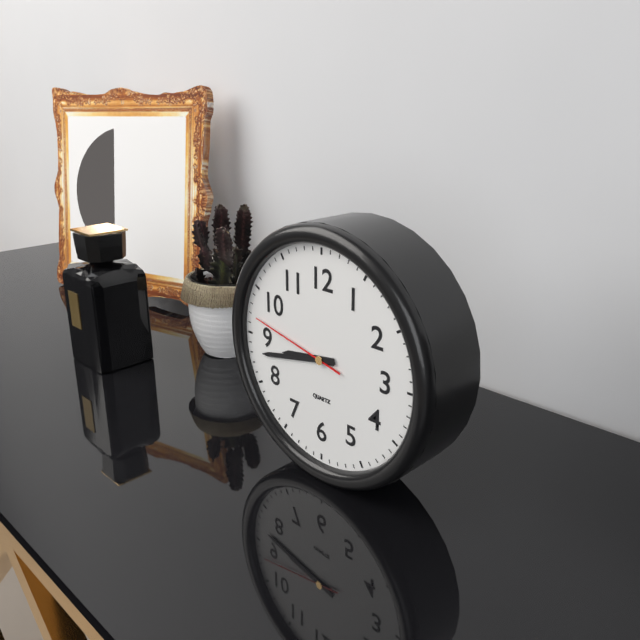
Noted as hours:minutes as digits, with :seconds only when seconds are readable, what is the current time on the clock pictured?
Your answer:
8:43:47
